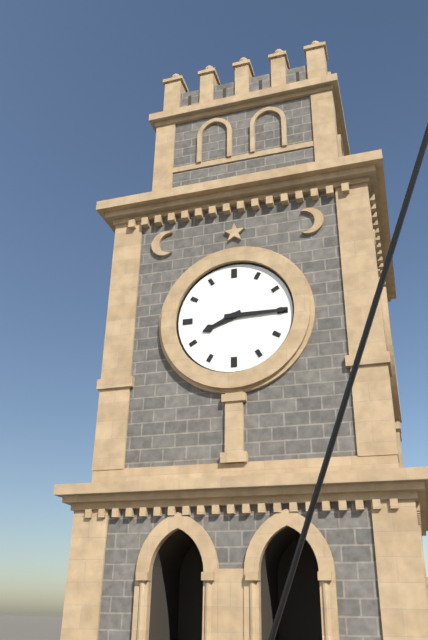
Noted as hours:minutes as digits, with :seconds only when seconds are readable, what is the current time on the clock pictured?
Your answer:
8:15
